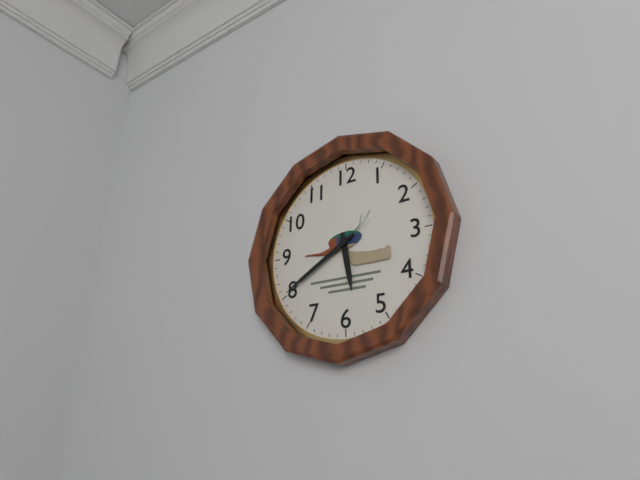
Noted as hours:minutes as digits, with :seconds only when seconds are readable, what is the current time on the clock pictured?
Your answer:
5:40
